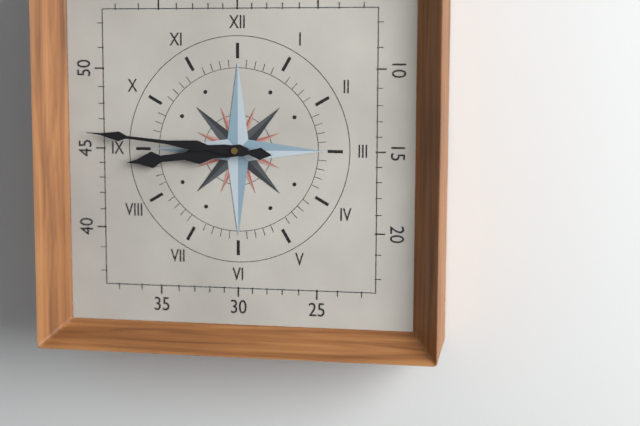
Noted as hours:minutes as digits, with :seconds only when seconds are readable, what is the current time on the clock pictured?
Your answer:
8:46
